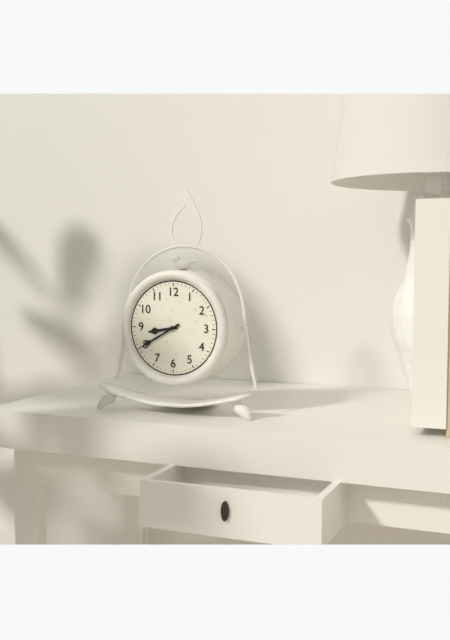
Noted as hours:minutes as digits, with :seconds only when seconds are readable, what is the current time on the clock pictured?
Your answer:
8:40
